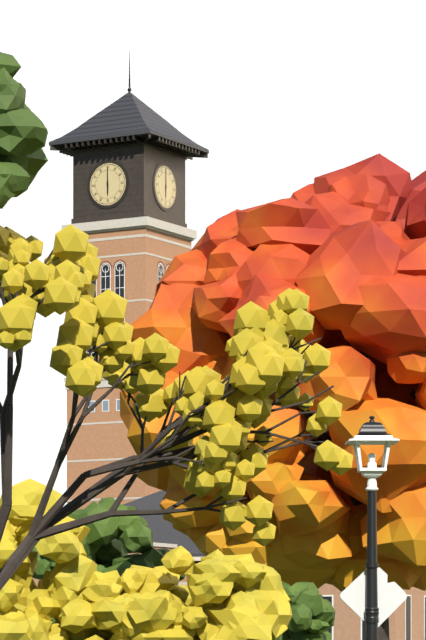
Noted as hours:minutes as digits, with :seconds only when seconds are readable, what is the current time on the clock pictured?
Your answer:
6:00
